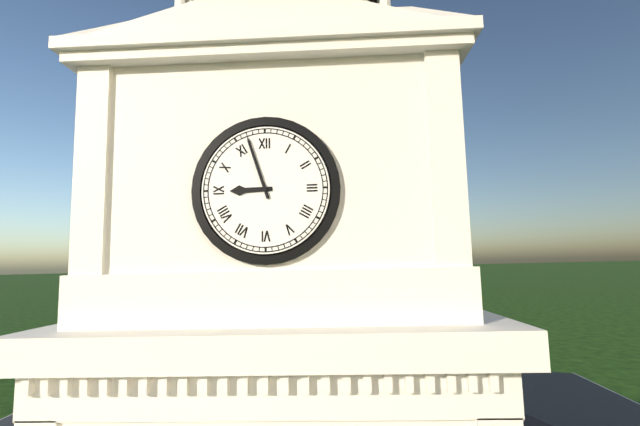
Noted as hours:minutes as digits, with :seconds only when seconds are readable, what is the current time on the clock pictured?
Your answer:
8:57
